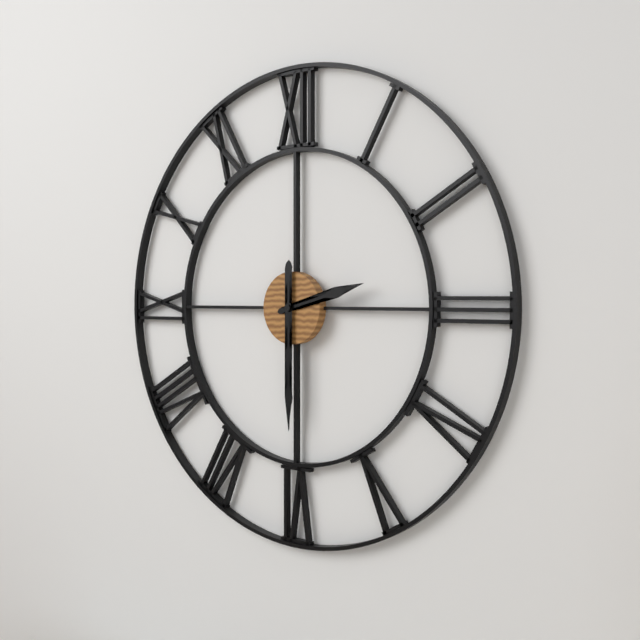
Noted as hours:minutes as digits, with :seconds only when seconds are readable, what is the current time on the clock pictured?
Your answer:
2:30
